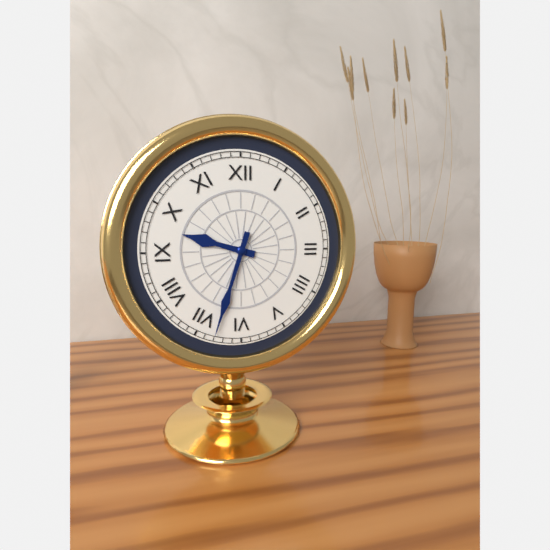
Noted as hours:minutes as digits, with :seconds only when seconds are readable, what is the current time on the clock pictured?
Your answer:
9:33
